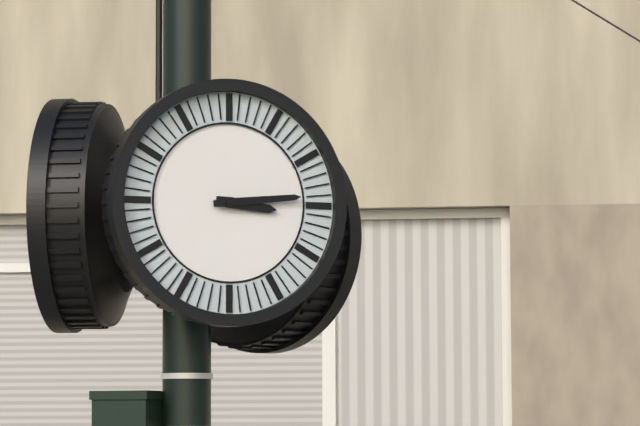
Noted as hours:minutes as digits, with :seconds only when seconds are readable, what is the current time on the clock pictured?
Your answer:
3:14
